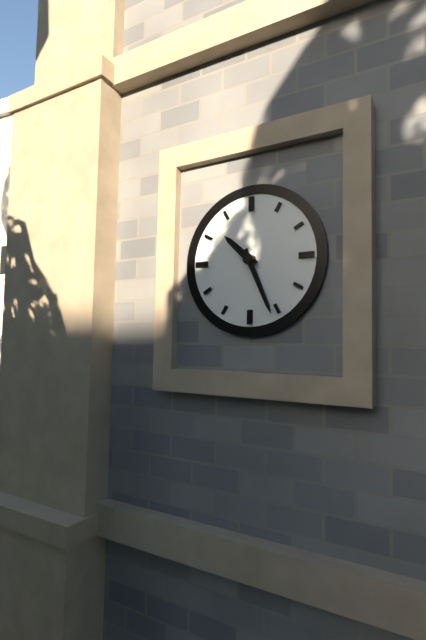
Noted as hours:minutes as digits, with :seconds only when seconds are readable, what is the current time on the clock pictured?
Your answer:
10:26
